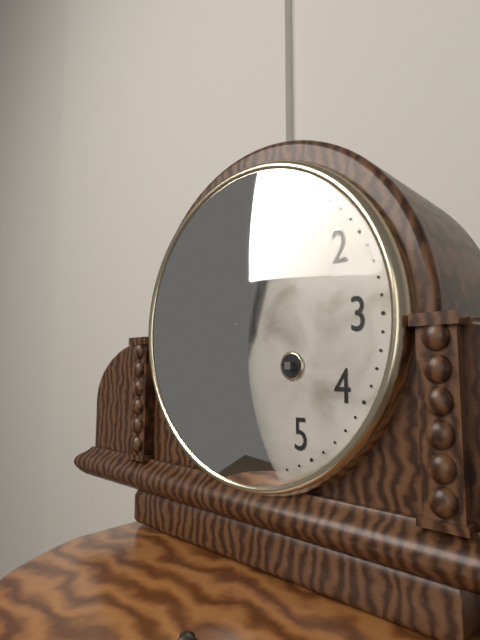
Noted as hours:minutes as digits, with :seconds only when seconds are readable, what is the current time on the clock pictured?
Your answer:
12:03
